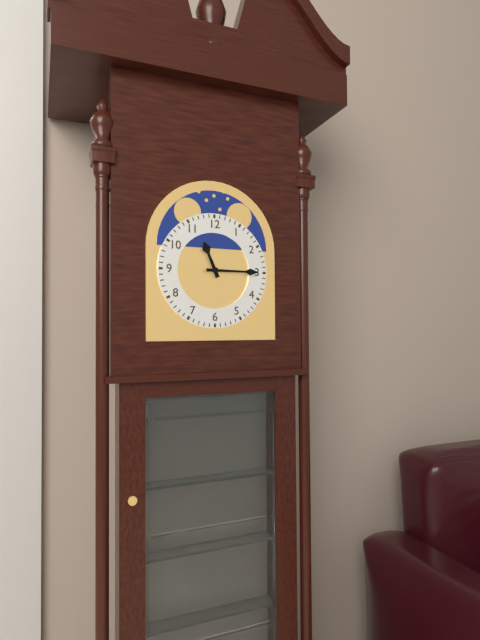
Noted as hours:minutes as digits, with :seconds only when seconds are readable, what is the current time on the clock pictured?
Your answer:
11:15
